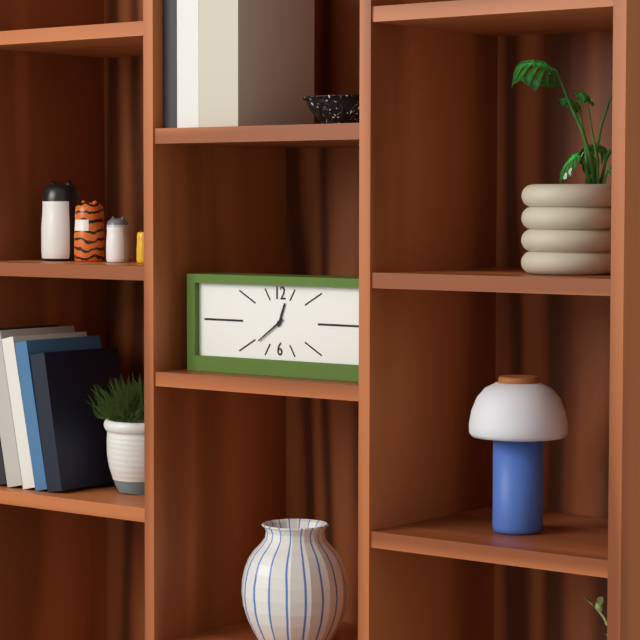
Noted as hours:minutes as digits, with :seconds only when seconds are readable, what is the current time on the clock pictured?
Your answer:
12:39
